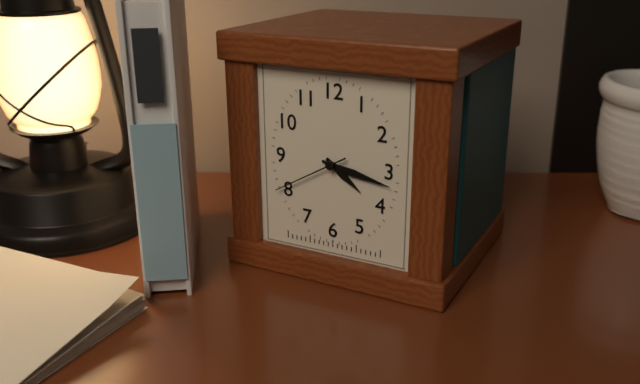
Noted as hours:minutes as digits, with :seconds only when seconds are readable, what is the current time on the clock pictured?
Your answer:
4:17:40
